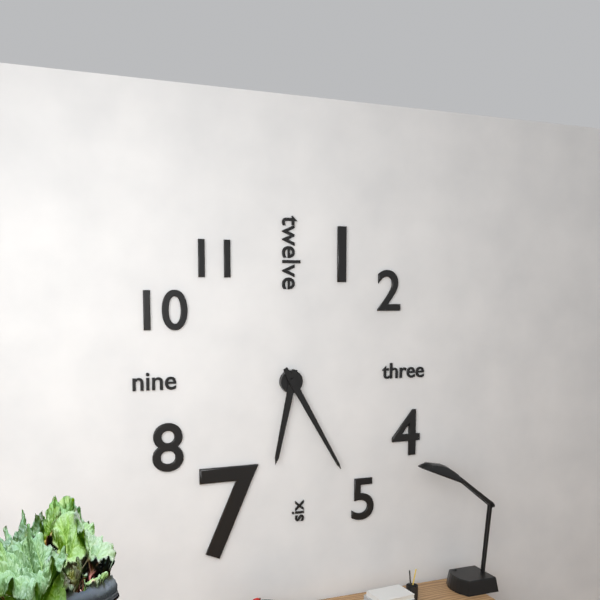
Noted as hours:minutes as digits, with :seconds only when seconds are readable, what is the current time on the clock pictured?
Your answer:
6:25
